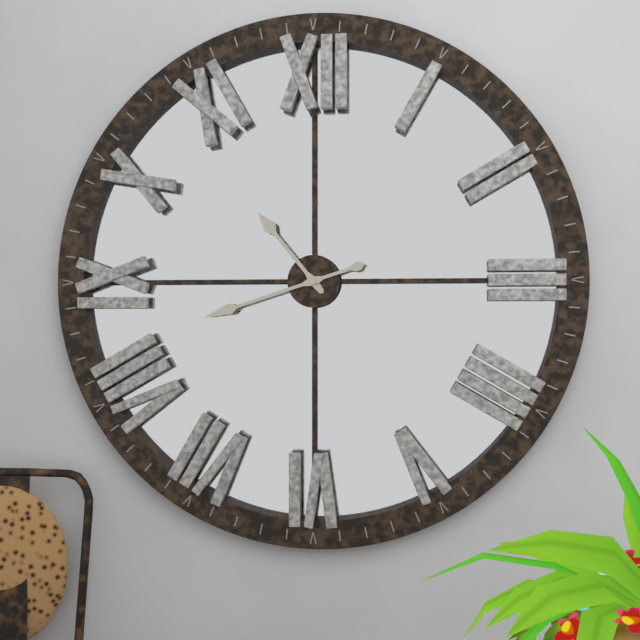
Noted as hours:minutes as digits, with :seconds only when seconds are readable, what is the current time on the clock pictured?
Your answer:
10:42
